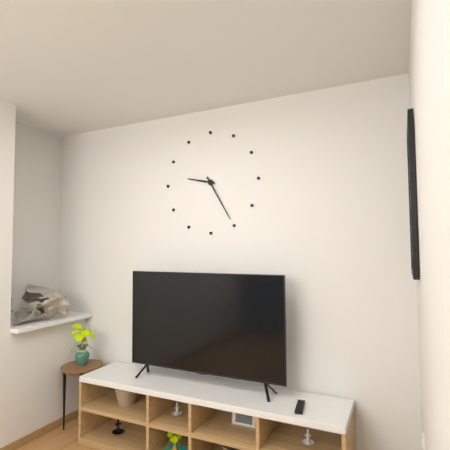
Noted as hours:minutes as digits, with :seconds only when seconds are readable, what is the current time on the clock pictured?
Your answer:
9:25
